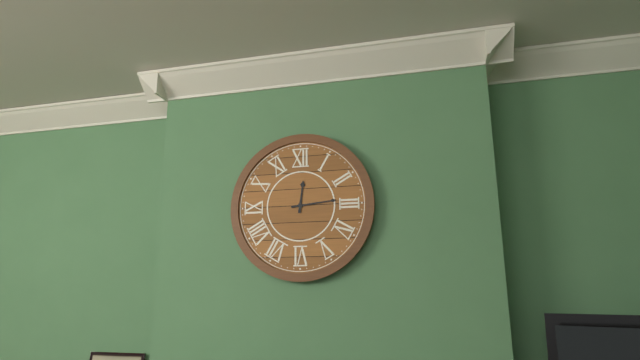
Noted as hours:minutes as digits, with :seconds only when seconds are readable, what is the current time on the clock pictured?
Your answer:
12:14
